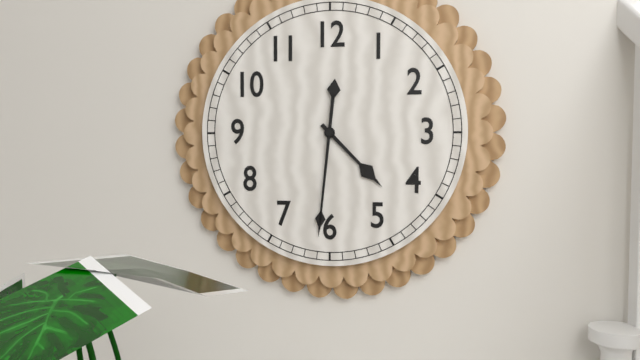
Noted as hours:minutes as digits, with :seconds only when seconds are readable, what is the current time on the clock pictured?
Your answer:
4:31
